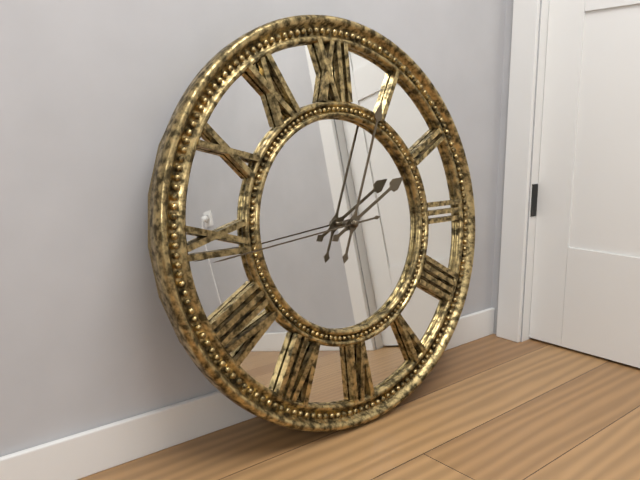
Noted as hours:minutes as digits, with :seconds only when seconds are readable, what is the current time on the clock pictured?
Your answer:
2:04:44
